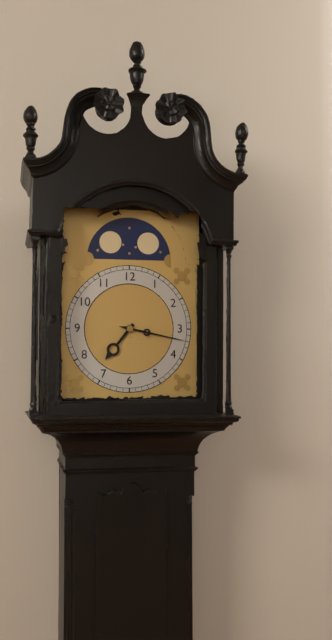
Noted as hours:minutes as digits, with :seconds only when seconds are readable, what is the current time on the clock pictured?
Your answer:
7:17
